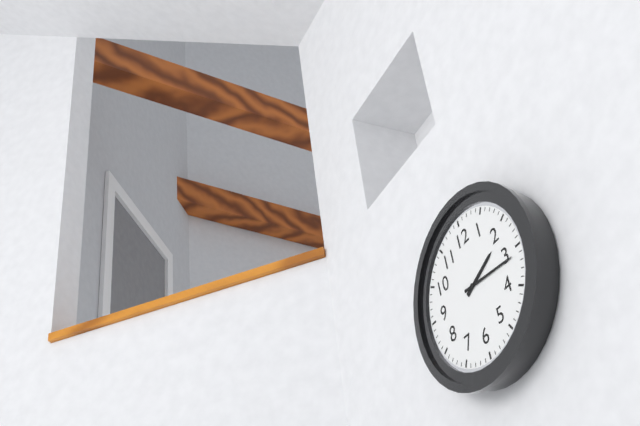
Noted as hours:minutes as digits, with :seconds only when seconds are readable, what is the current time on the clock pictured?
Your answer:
2:16
